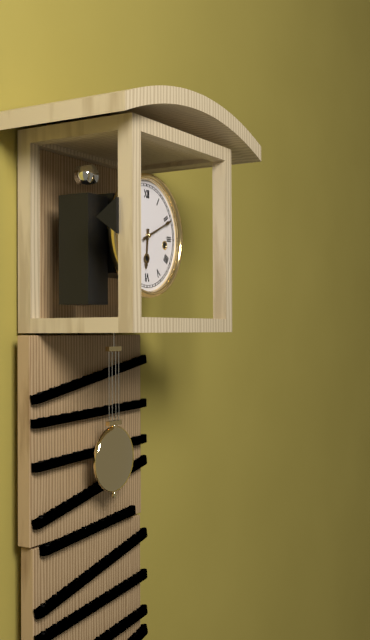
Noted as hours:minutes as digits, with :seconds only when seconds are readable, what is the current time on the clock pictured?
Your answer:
6:11
